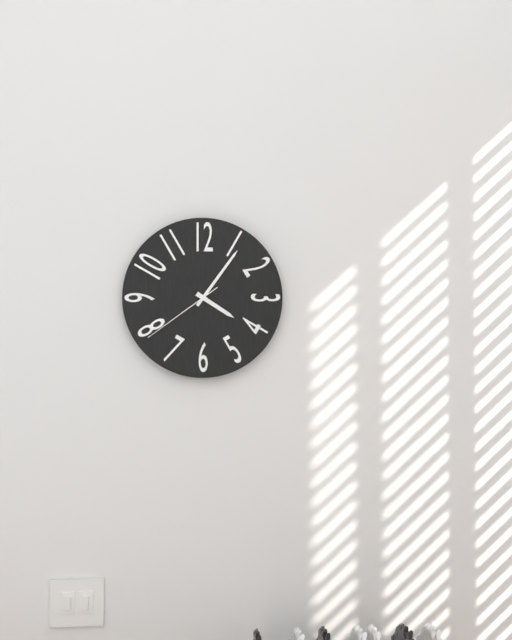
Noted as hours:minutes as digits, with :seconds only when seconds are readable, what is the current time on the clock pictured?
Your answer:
4:06:39
